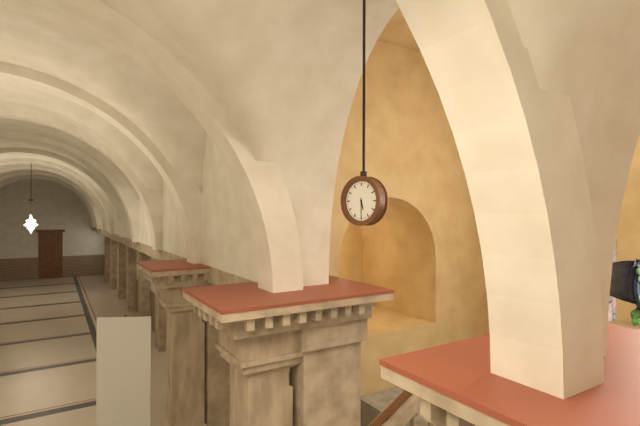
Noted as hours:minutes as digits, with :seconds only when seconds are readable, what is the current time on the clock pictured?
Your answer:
5:30
